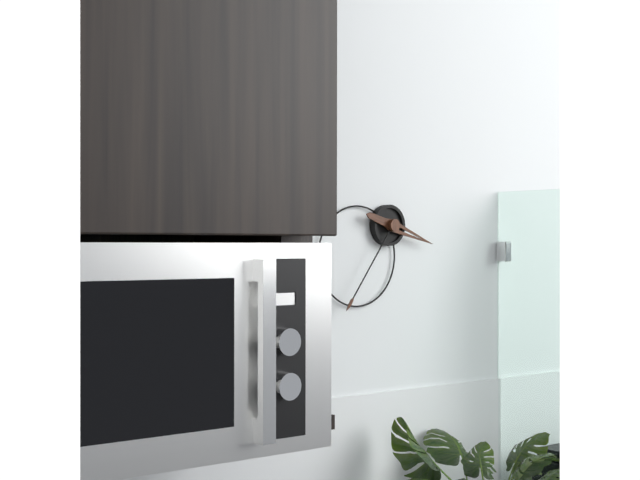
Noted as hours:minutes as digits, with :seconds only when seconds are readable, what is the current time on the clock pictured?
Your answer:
3:36
